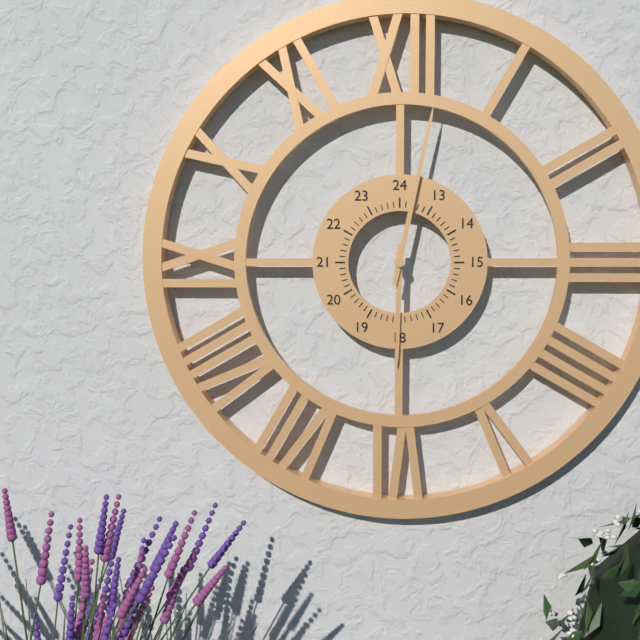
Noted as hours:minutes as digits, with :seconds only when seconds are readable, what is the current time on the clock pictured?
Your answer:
6:02
